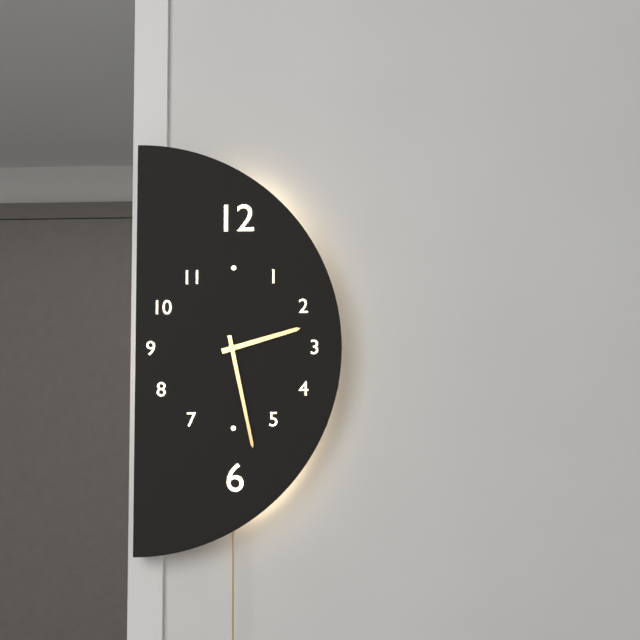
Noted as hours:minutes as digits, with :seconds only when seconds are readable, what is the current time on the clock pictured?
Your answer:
2:28
